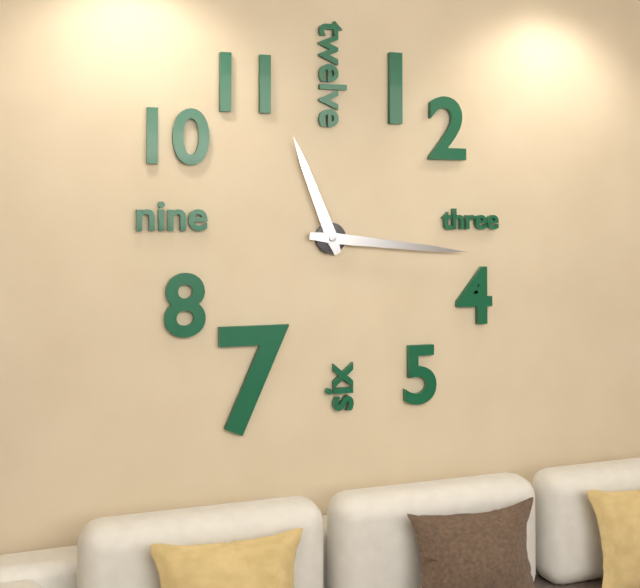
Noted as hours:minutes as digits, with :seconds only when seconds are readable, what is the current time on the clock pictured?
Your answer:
11:16
